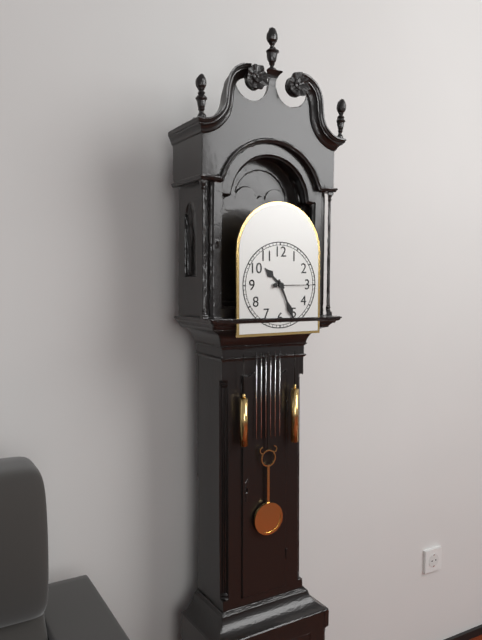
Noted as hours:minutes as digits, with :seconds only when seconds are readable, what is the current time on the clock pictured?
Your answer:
10:26
